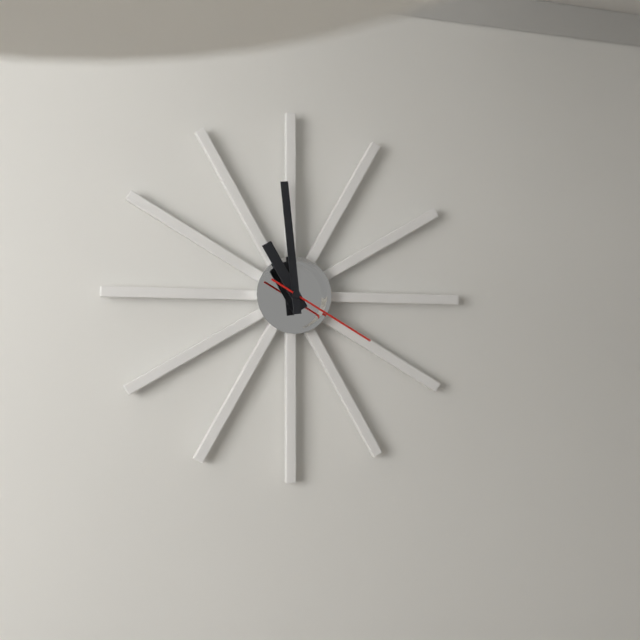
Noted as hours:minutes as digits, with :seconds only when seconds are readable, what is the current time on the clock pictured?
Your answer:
10:59:20
